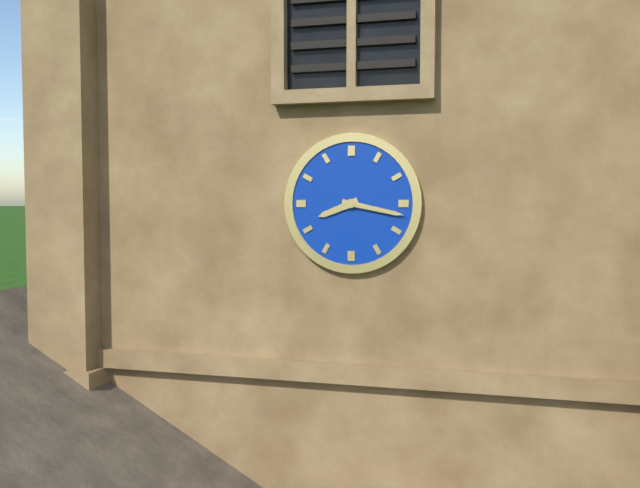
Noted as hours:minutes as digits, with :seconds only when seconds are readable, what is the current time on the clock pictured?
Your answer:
8:17
